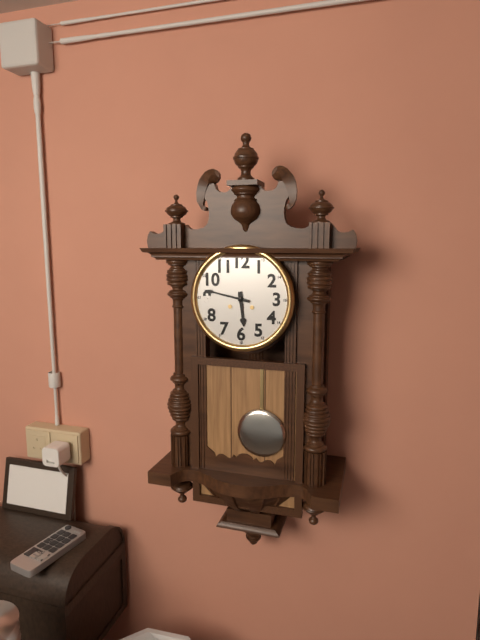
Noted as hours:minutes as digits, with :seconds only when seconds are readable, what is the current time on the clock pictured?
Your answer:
5:47
